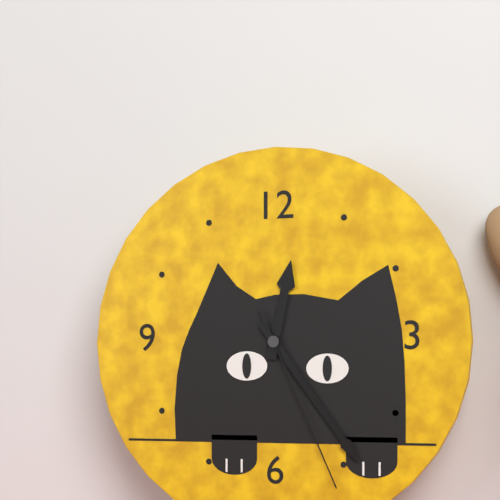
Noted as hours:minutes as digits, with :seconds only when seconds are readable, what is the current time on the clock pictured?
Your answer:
12:24:26
